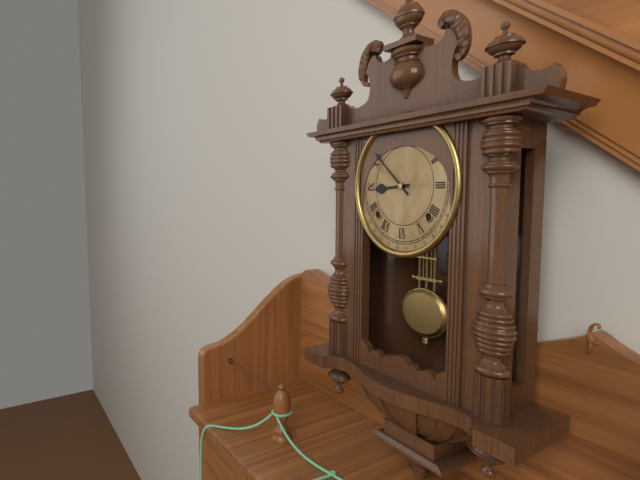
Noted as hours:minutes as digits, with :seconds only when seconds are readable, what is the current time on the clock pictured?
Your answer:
8:52
